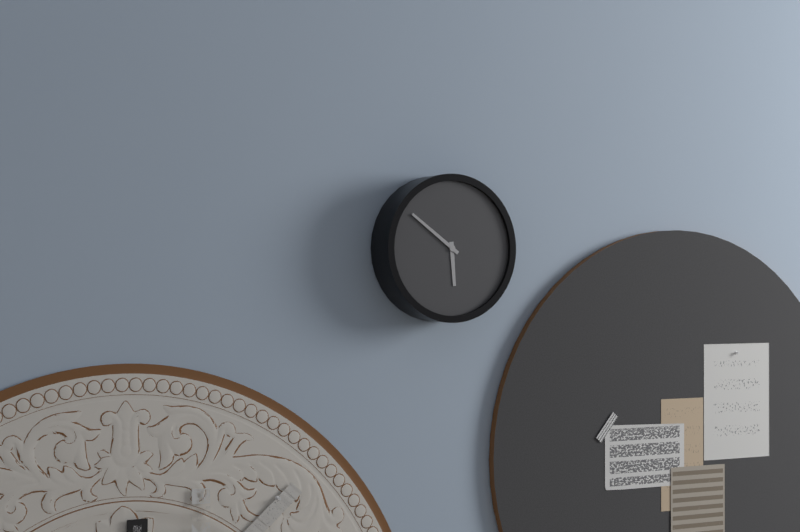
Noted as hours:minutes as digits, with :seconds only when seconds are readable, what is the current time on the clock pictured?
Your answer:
5:51
